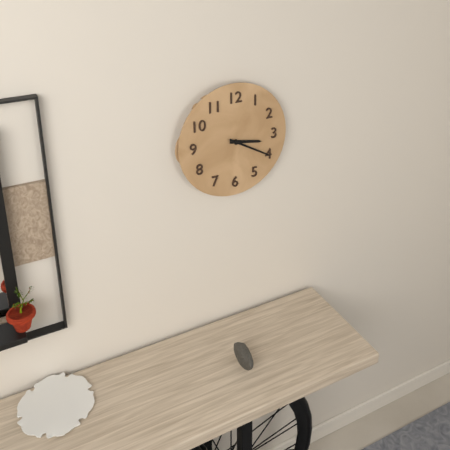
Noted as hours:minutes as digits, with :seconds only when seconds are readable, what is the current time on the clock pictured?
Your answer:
3:20
